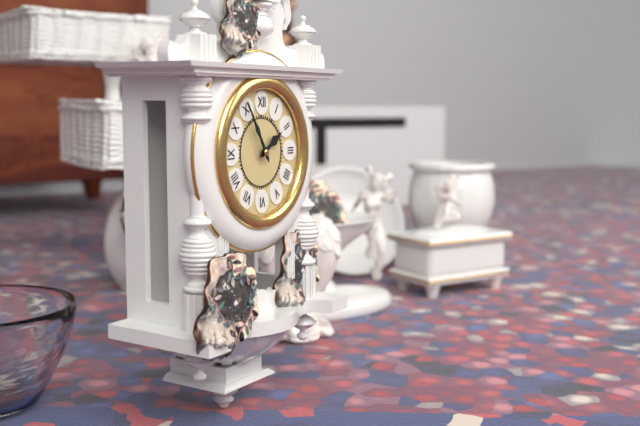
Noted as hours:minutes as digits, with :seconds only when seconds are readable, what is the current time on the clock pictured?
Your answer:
1:55
